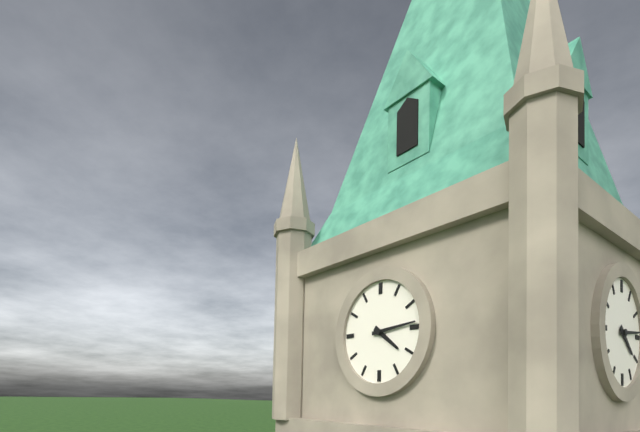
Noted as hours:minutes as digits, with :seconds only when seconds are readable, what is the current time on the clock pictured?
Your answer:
4:14
